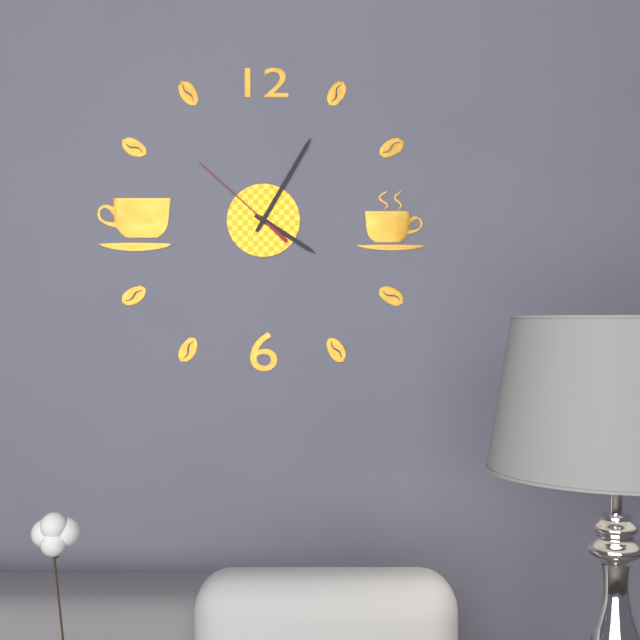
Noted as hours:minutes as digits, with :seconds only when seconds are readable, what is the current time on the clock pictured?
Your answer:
4:05:52
